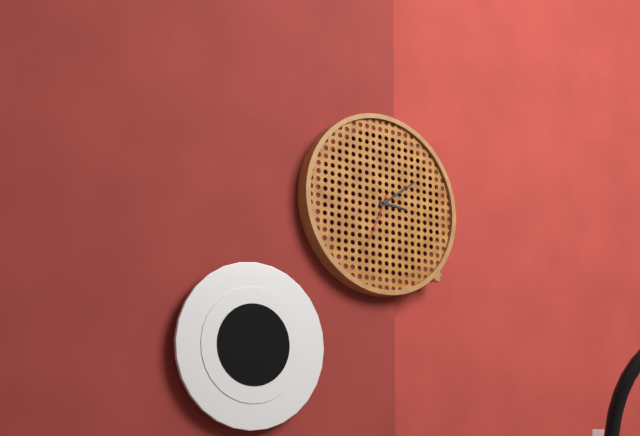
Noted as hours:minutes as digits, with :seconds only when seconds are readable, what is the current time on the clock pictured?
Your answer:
3:09
